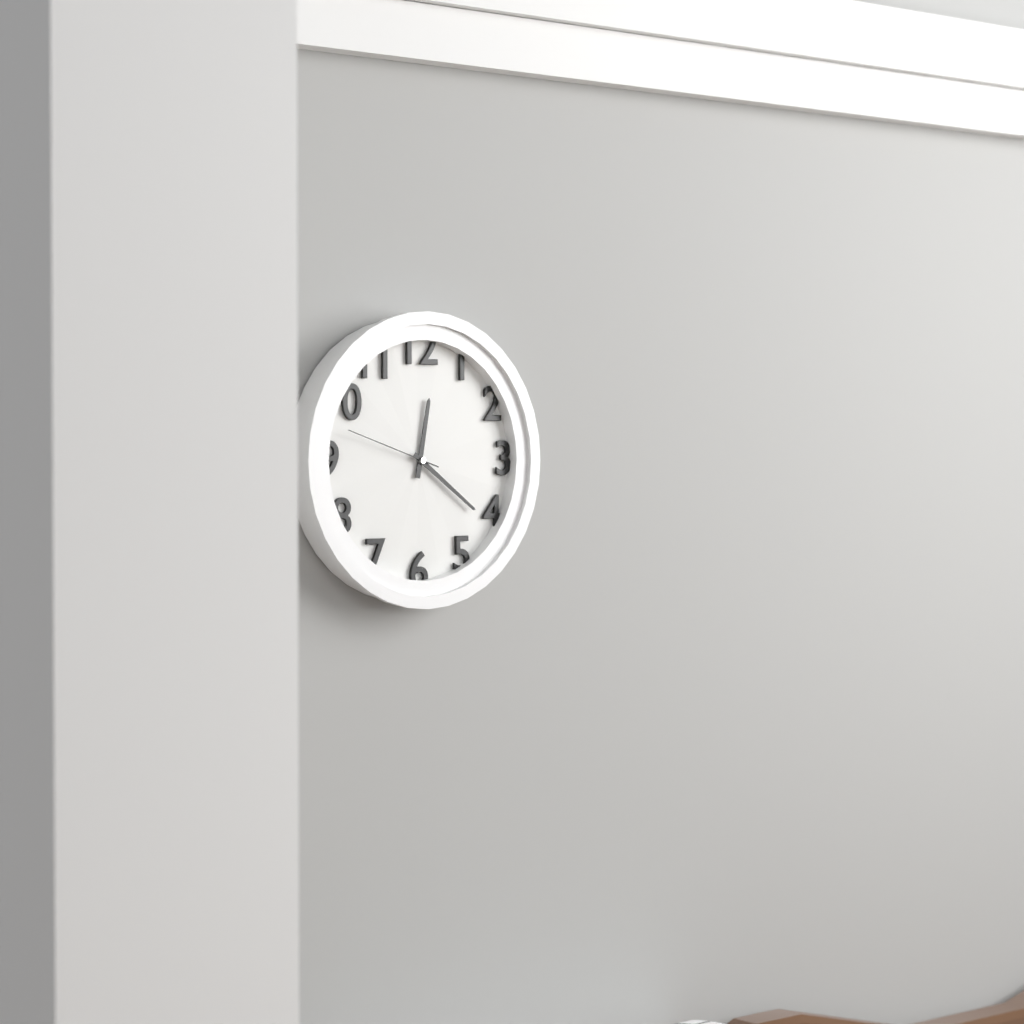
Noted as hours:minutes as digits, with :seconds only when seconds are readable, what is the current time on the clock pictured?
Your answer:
12:21:48
